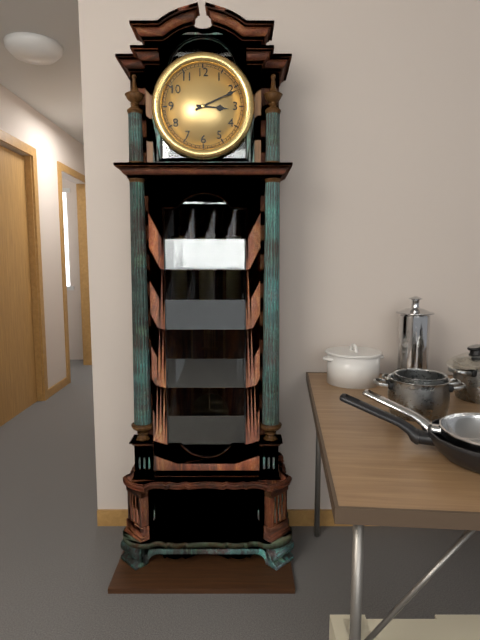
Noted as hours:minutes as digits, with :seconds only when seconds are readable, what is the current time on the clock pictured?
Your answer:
3:11
